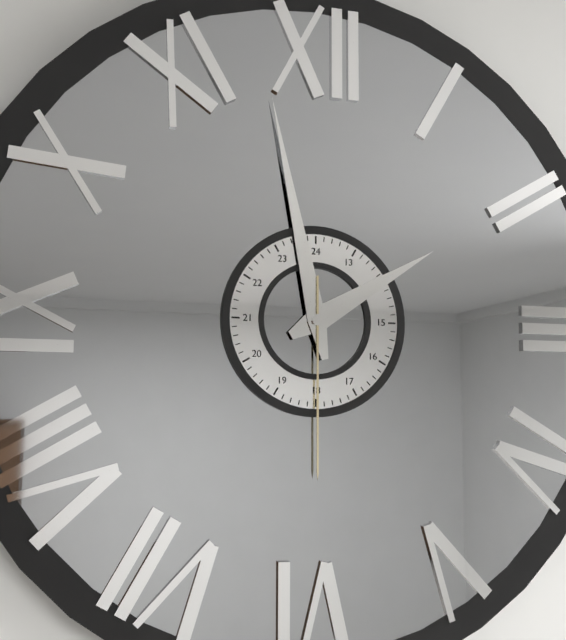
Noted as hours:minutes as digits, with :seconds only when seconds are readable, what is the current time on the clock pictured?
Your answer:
1:58:30
